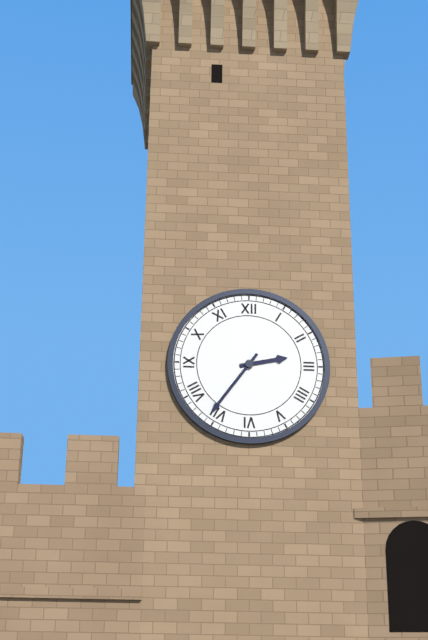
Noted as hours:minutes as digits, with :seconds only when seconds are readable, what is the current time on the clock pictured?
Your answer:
2:36
